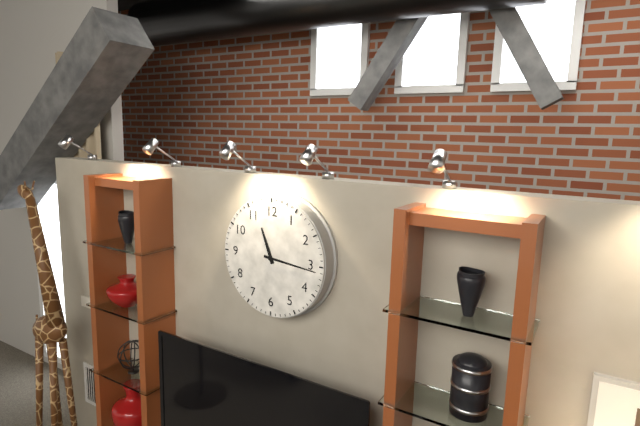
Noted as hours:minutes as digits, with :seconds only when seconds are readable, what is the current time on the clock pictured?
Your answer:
11:16
